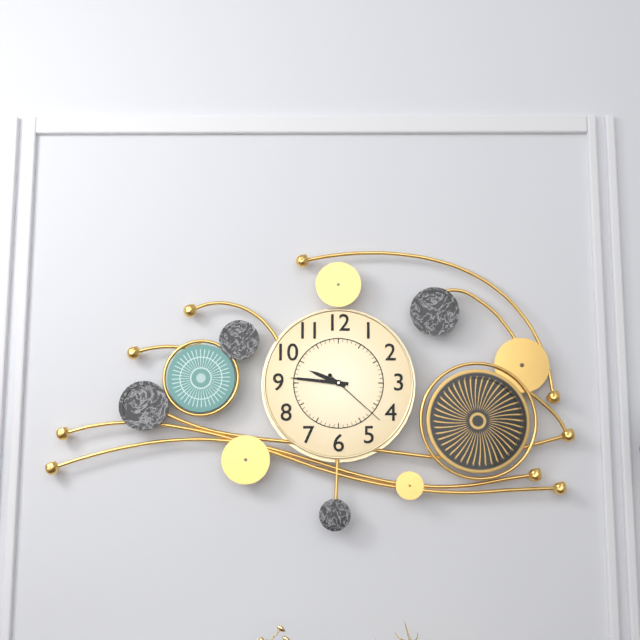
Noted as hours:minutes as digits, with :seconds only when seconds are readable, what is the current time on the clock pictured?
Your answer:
9:46:22
